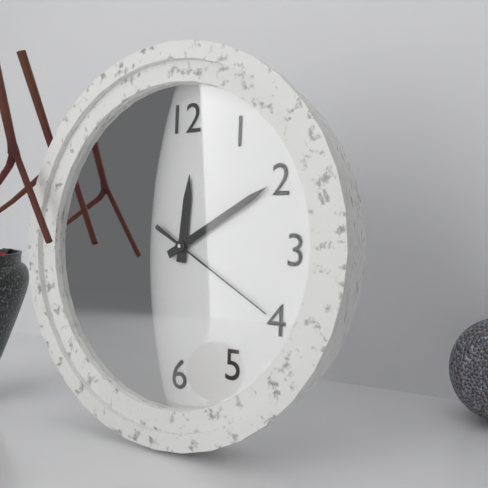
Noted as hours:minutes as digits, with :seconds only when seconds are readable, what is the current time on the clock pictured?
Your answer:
12:10:20
